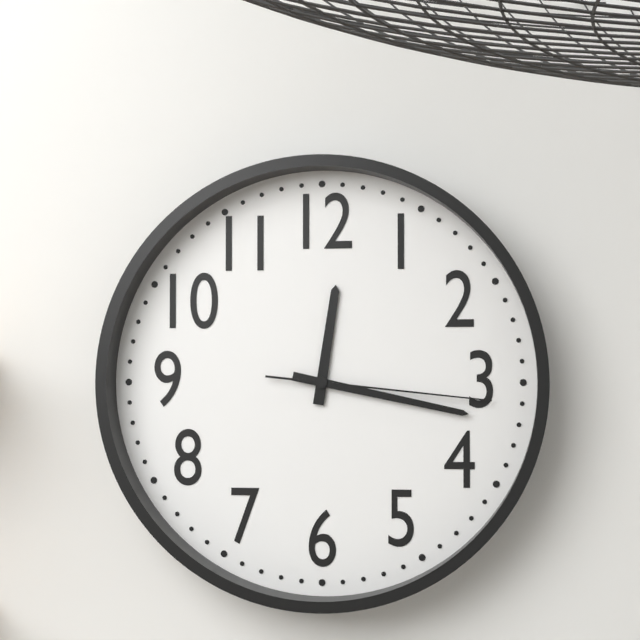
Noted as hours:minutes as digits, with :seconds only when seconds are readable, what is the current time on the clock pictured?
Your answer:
12:17:16
